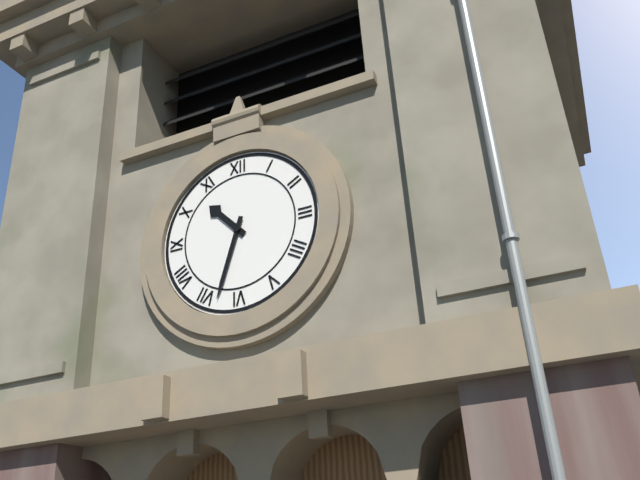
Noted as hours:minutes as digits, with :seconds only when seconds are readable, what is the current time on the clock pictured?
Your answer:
10:33
